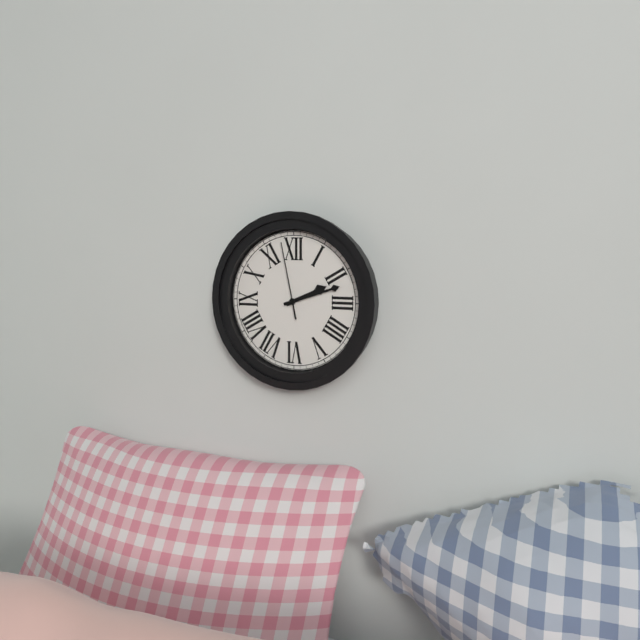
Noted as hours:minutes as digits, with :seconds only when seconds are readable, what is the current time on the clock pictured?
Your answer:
2:12:58
